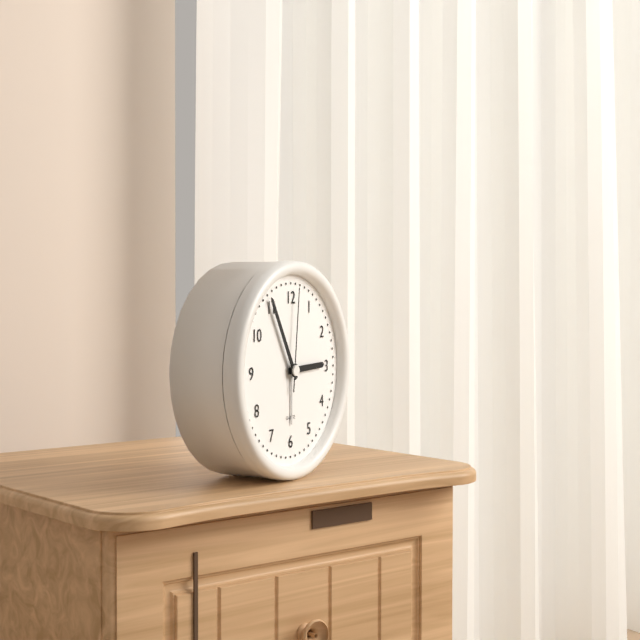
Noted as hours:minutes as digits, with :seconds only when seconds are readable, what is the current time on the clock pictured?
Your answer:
2:55:01
